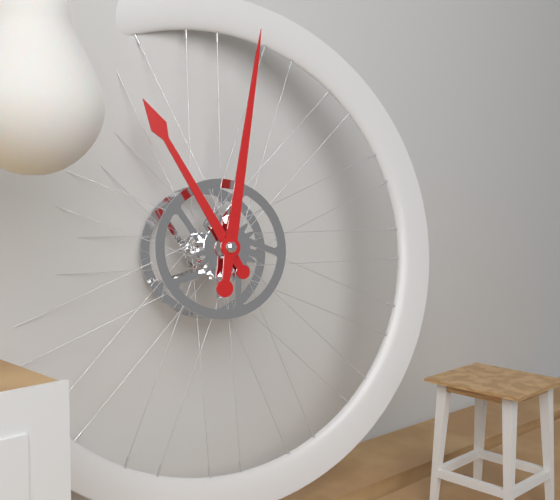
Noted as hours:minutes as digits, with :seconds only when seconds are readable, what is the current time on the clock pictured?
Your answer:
11:02
